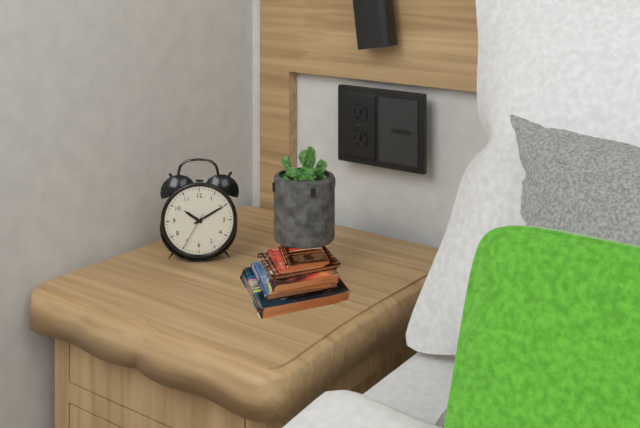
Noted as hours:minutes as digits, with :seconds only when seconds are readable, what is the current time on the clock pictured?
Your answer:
10:10
